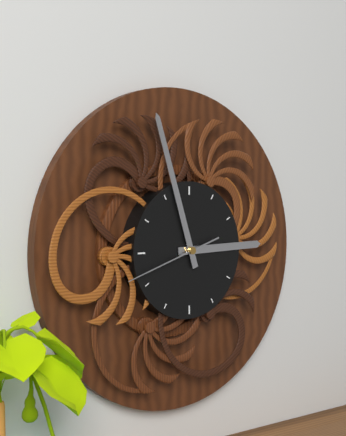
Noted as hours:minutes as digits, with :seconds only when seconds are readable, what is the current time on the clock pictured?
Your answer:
2:57:42
